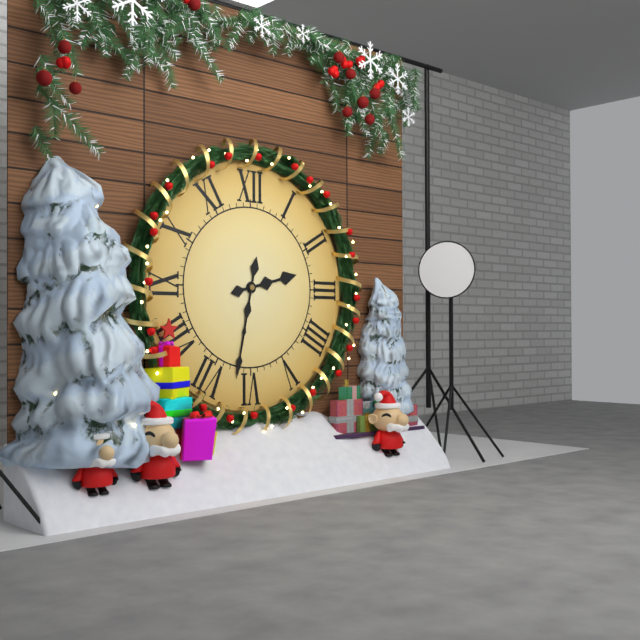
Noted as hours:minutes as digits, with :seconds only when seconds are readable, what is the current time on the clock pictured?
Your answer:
2:32
